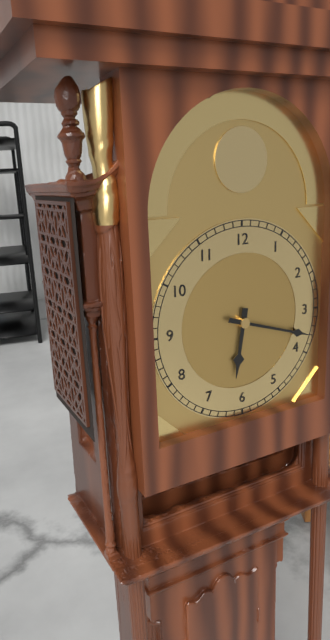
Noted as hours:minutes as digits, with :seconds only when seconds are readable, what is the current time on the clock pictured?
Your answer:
6:18
